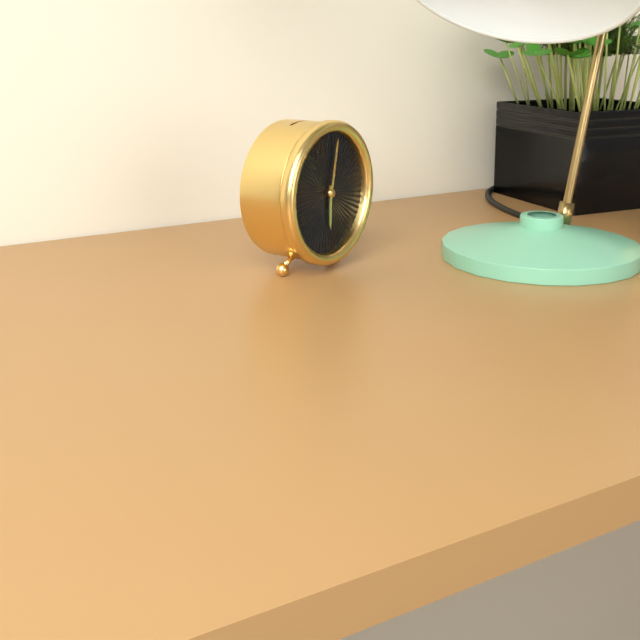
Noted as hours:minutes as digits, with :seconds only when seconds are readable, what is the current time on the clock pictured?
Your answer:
6:02
